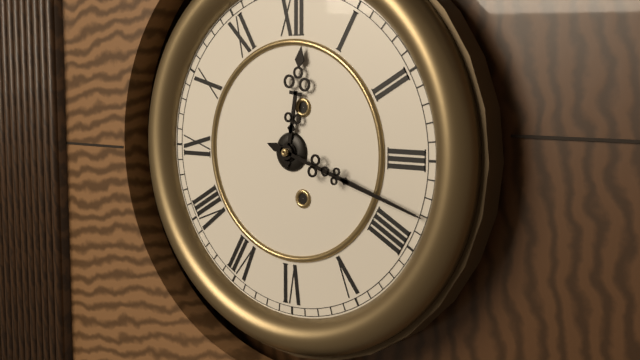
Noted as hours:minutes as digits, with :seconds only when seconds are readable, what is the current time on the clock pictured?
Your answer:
12:18
